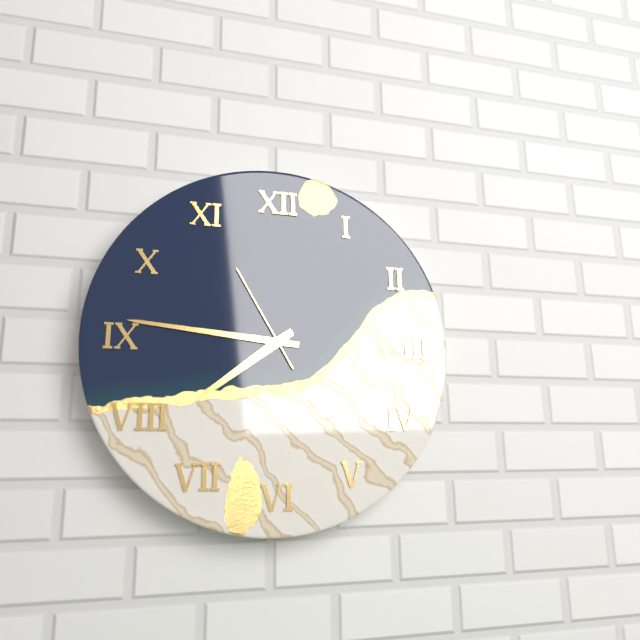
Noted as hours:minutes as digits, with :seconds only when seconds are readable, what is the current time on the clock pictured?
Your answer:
7:46:55
